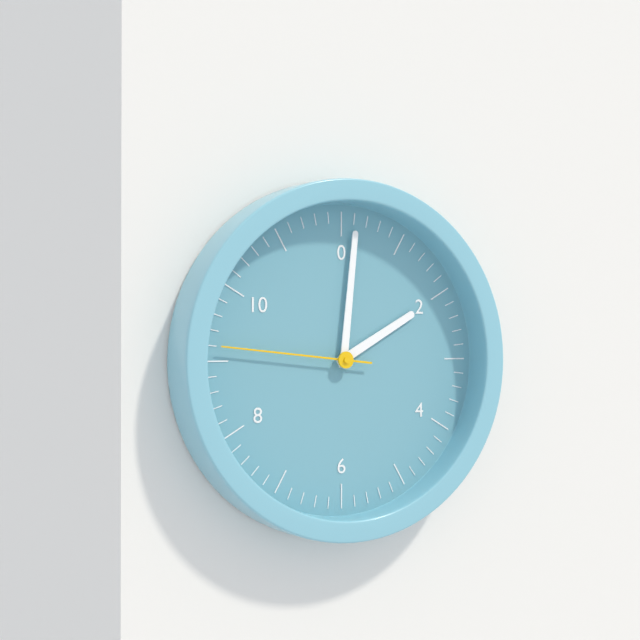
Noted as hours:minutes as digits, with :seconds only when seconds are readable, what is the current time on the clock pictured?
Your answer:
2:01:46
